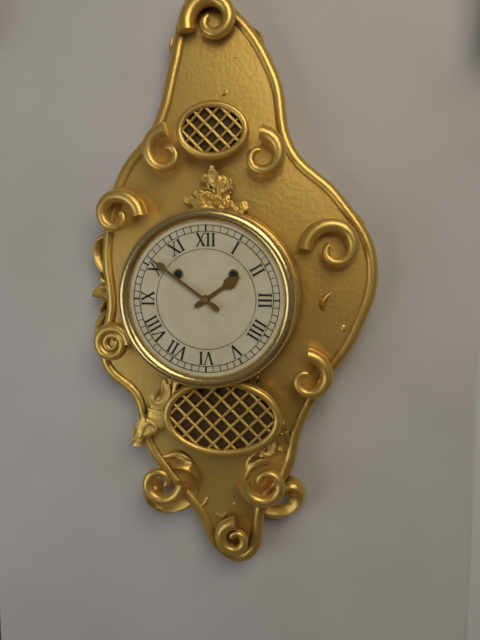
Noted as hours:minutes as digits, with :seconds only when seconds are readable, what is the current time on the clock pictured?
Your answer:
1:51
